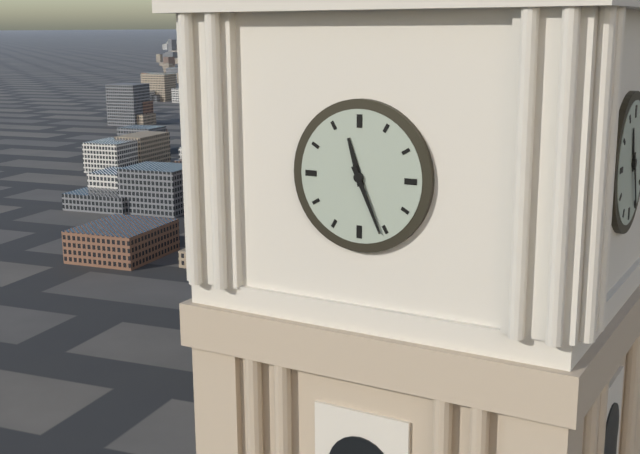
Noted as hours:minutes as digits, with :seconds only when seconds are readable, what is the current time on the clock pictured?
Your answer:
11:26
